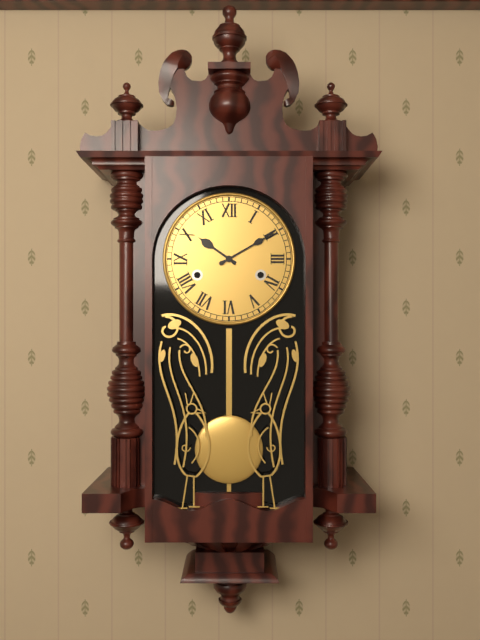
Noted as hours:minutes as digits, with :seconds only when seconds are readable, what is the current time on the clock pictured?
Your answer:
10:10
